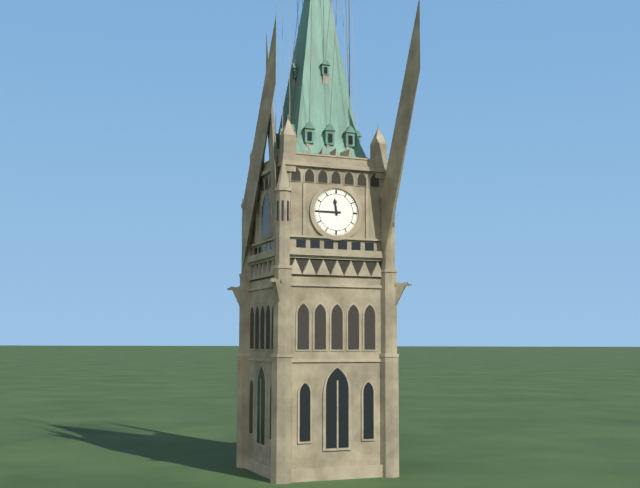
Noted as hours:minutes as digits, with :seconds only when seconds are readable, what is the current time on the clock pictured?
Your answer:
11:45
